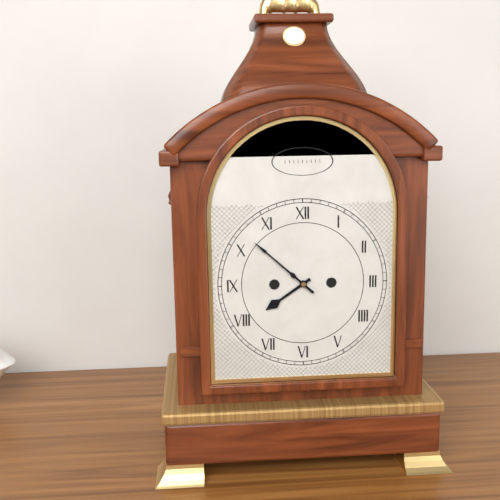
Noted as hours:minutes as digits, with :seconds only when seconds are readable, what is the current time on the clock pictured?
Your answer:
7:52
